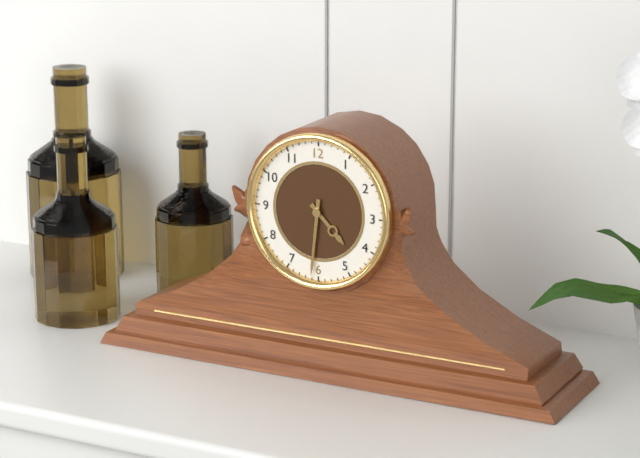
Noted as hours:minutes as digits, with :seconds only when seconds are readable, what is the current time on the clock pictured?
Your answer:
4:31
